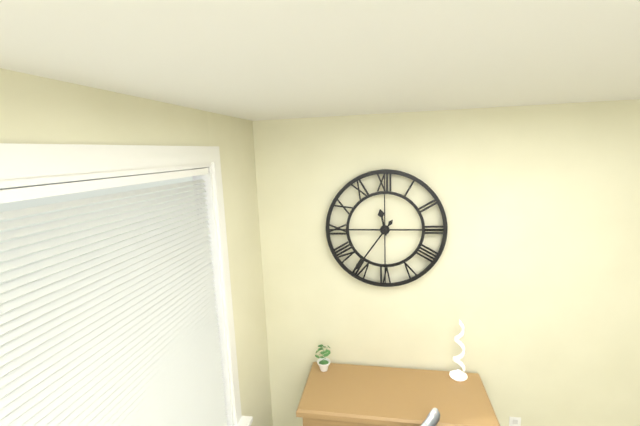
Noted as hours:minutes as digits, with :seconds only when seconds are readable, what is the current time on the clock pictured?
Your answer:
11:36
